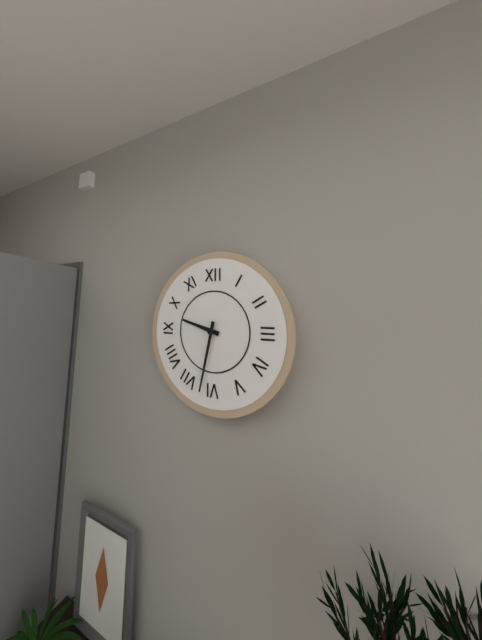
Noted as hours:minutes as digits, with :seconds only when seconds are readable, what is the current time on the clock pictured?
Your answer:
9:32
